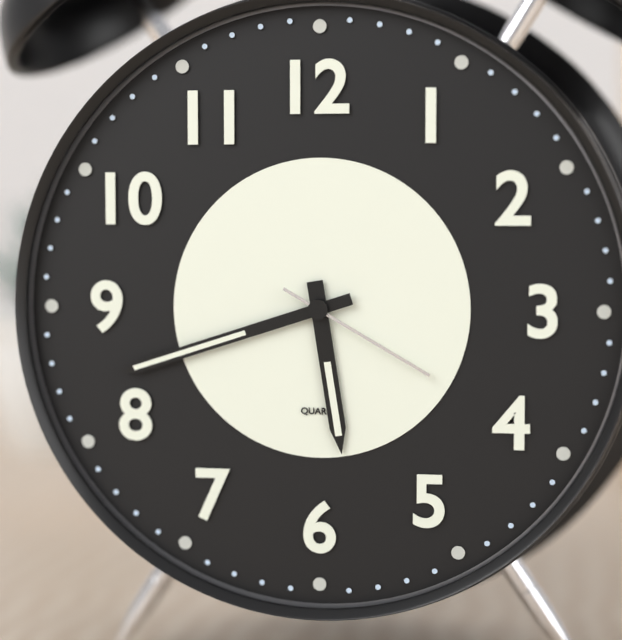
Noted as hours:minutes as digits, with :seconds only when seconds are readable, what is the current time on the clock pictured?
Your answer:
5:42:20
